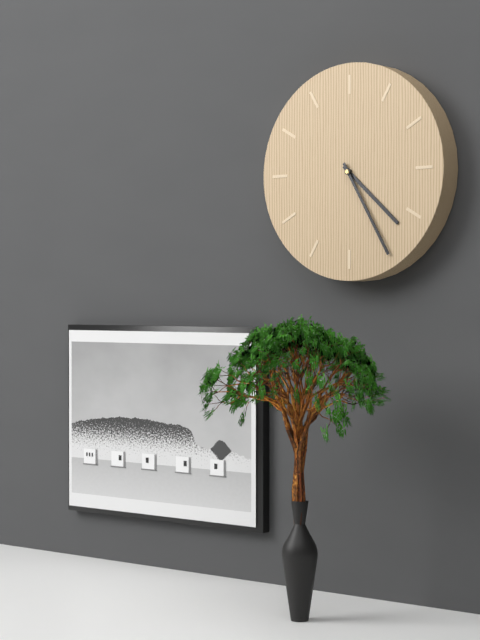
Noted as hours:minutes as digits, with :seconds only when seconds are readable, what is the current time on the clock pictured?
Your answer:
4:25
